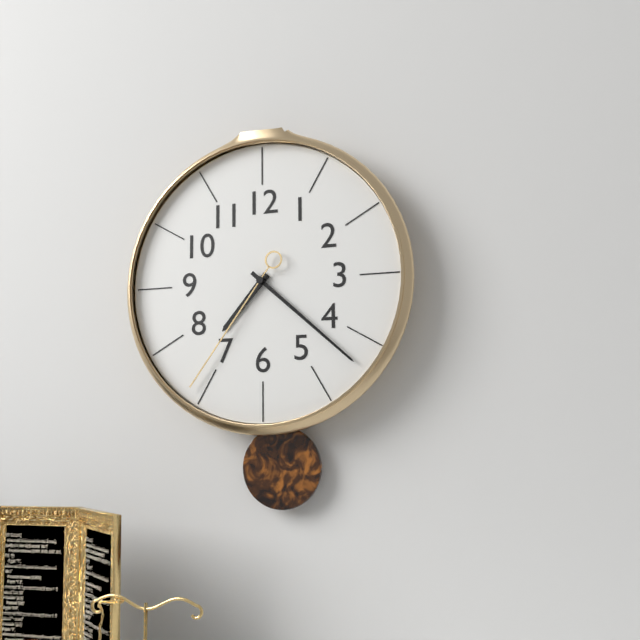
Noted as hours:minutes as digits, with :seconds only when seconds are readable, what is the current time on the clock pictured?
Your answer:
7:22:36
